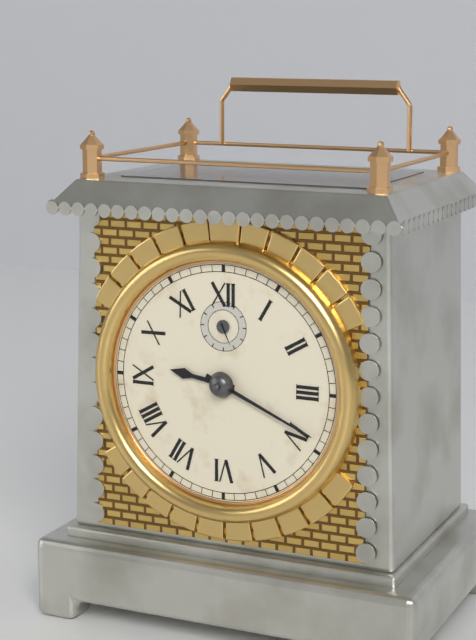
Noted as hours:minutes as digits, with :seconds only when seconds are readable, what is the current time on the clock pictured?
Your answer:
9:19
